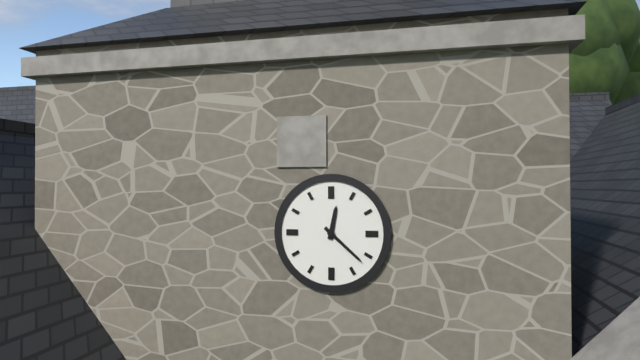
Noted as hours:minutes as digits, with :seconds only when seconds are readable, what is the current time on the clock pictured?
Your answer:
12:22
